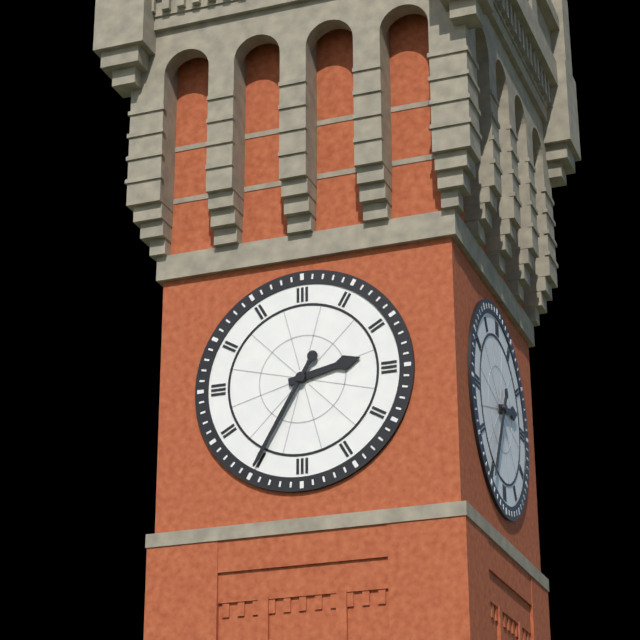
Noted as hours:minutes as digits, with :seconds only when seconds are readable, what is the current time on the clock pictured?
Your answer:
2:35
